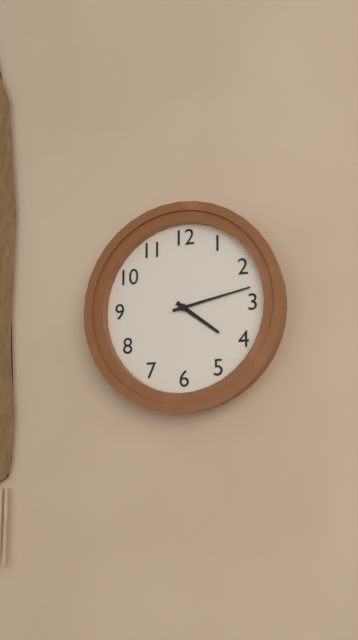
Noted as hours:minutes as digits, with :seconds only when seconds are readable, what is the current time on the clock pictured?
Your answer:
4:13
